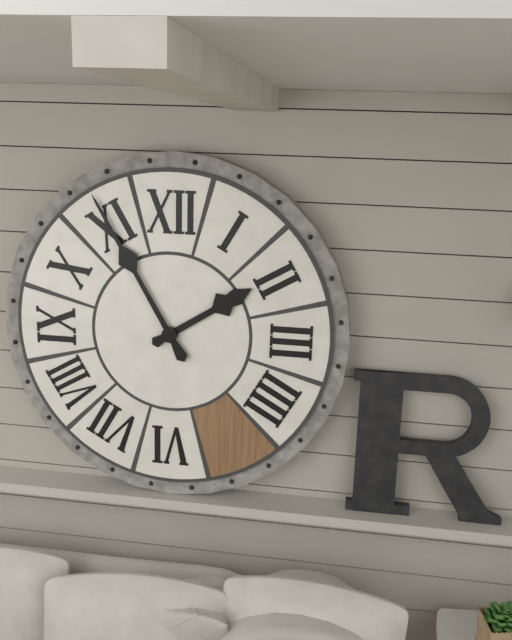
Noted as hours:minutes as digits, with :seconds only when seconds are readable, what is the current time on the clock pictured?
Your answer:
1:55
